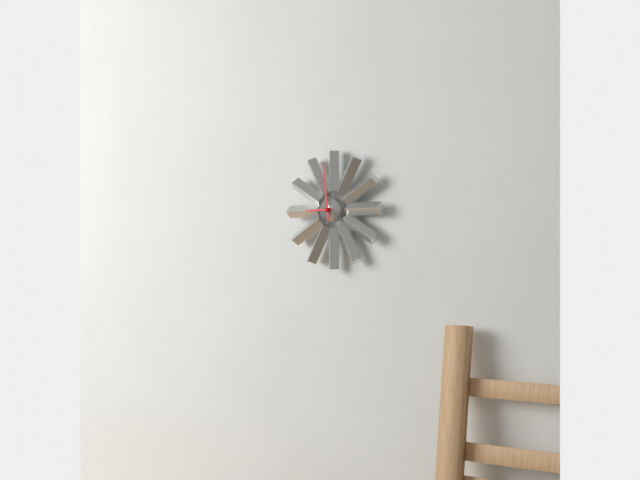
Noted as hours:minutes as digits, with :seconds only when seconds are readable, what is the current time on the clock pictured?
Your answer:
8:59
